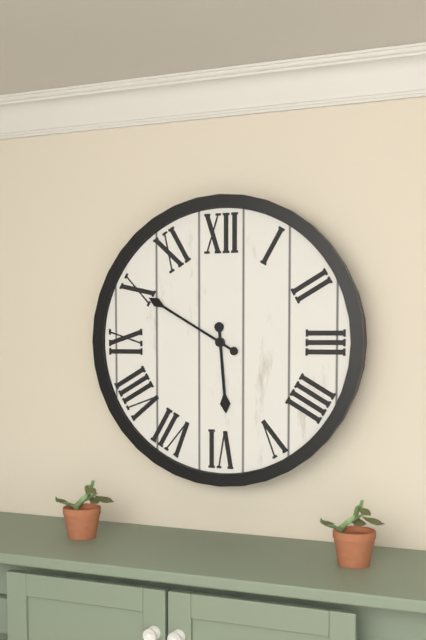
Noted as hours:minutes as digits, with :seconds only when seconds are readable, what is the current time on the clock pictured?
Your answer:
5:50
